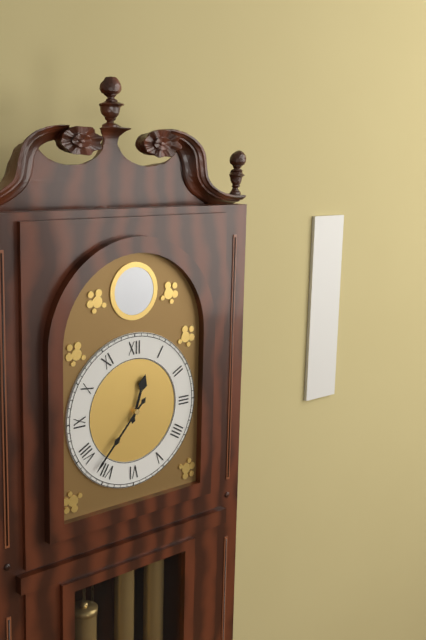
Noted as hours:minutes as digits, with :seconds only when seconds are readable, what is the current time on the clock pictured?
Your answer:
12:37
